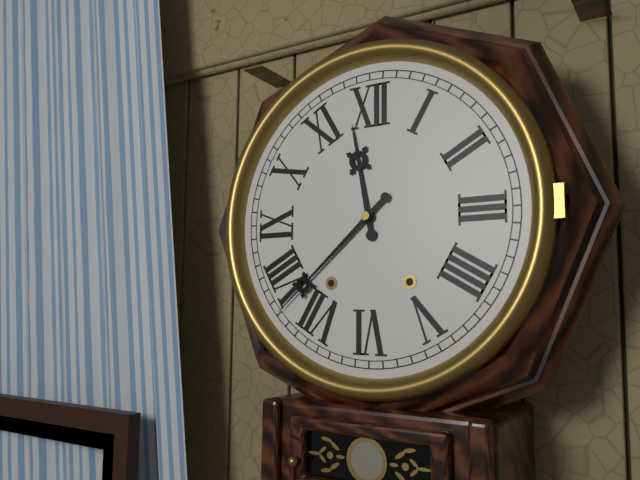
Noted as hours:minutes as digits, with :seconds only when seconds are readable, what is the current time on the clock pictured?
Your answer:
11:38
